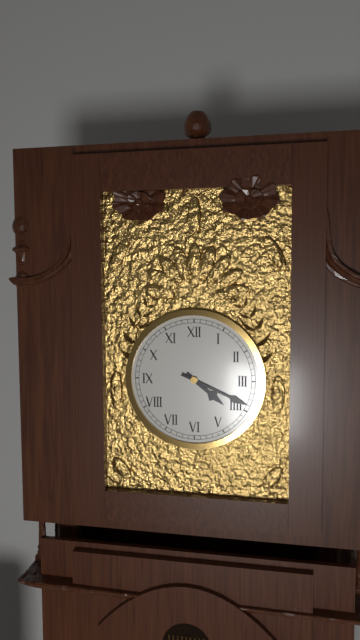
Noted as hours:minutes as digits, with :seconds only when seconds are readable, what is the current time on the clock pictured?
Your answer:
4:19
